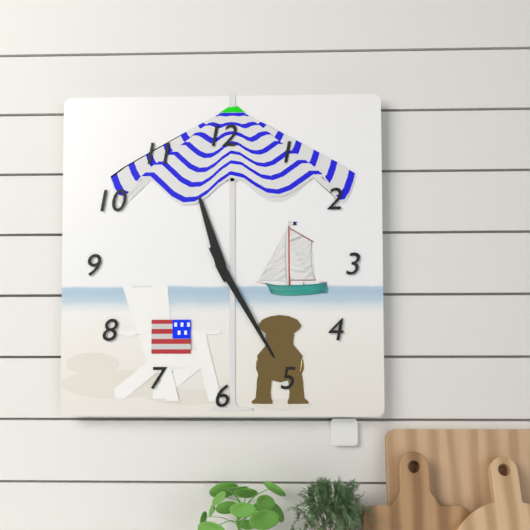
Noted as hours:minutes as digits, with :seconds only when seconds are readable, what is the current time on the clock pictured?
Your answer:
11:25
